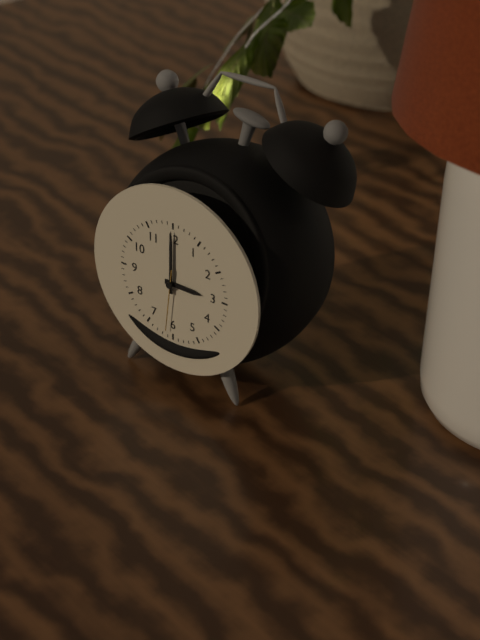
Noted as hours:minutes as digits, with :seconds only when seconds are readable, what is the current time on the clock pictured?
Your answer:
3:00:31
